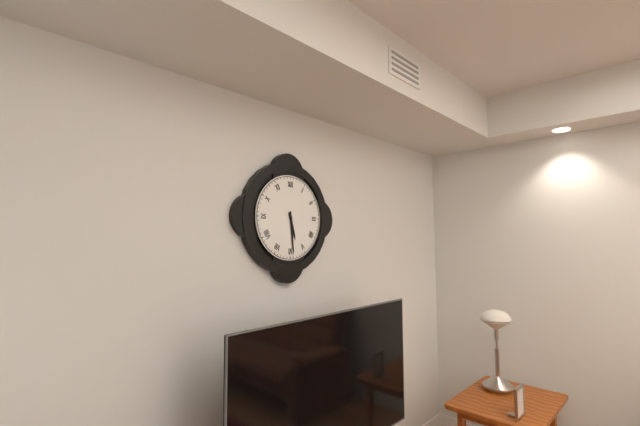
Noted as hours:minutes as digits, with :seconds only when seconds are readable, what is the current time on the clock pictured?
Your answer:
5:29
